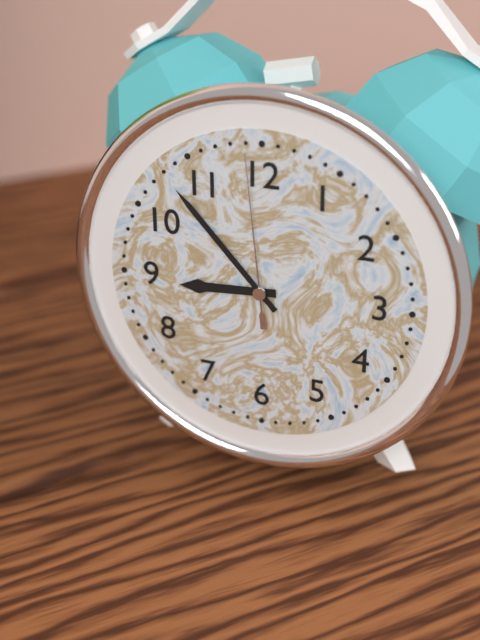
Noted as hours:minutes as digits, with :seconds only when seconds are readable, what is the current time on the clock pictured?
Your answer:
8:53:59
